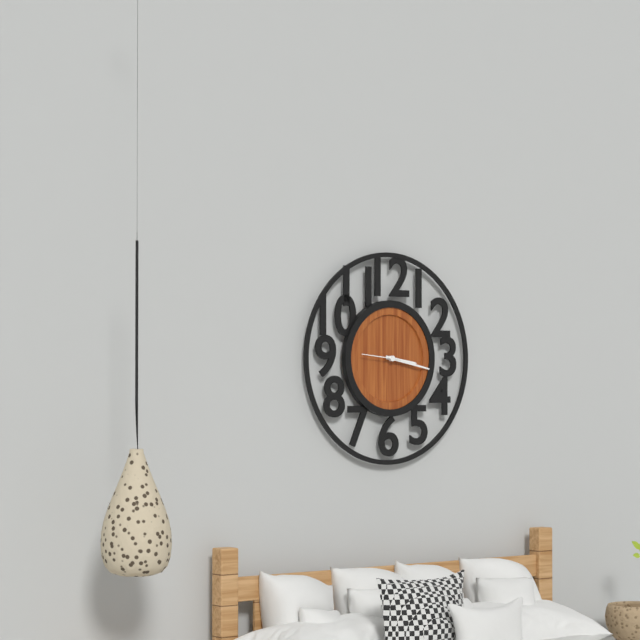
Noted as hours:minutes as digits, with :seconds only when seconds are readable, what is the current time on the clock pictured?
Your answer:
3:17
